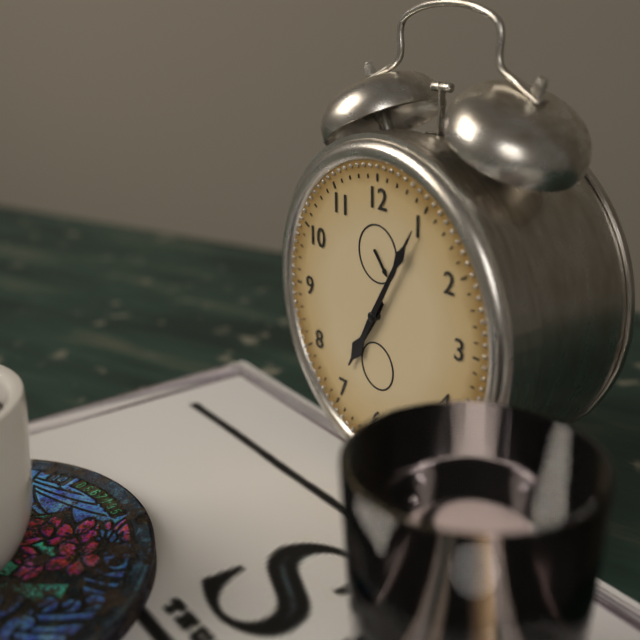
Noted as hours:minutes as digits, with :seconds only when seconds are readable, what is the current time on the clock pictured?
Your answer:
7:05
